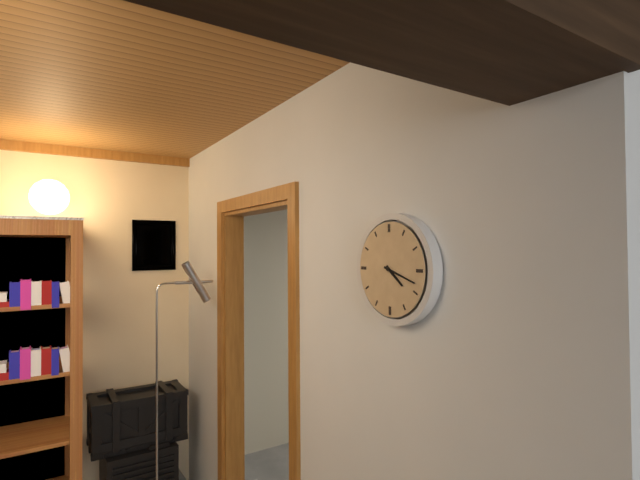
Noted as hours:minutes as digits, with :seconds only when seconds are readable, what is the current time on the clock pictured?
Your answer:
4:18
